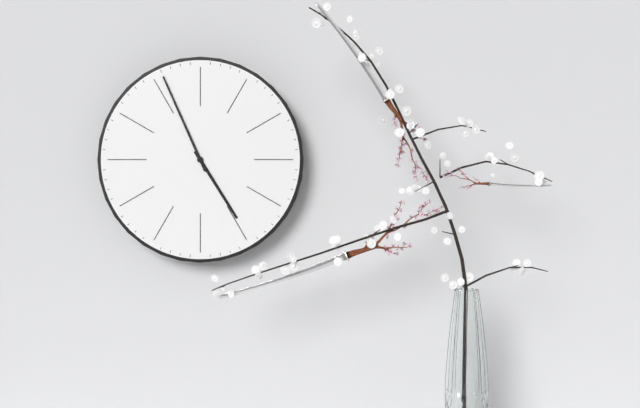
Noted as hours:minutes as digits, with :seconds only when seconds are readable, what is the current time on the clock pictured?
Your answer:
4:56
